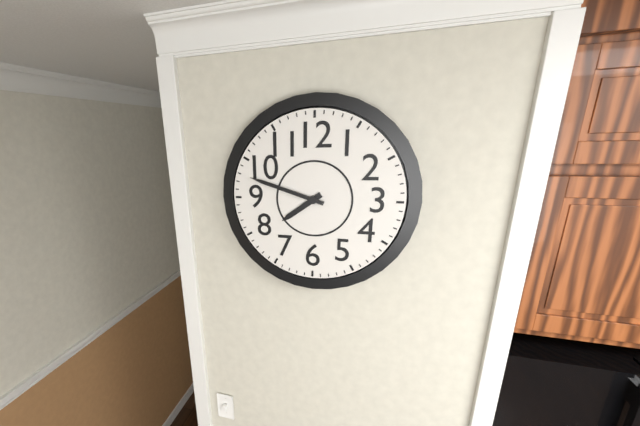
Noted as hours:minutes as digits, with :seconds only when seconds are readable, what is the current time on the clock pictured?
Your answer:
7:48
